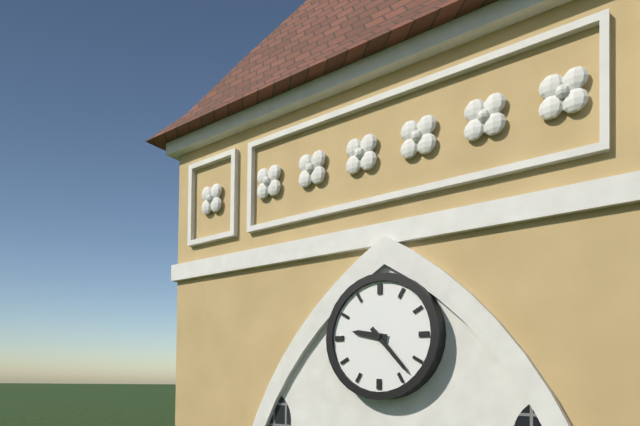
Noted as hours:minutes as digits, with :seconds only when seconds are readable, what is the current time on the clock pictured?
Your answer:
9:23
